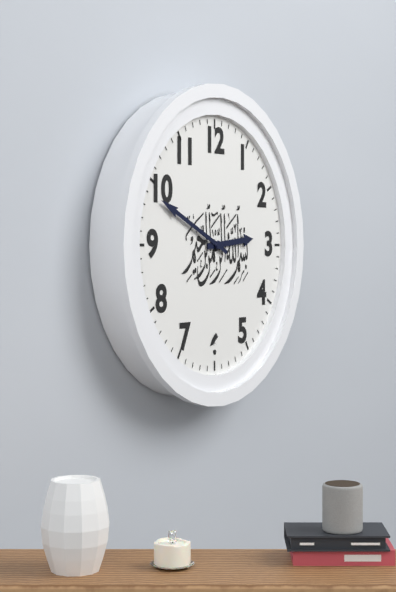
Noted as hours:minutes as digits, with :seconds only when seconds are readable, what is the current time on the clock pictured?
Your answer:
2:49
